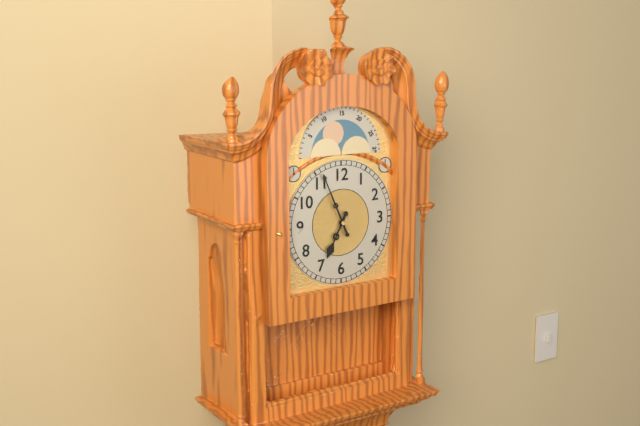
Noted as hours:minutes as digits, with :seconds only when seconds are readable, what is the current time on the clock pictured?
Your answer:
6:56
